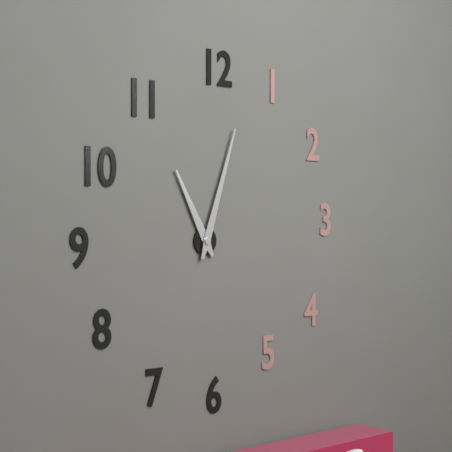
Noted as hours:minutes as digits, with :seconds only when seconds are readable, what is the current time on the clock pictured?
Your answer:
11:03
